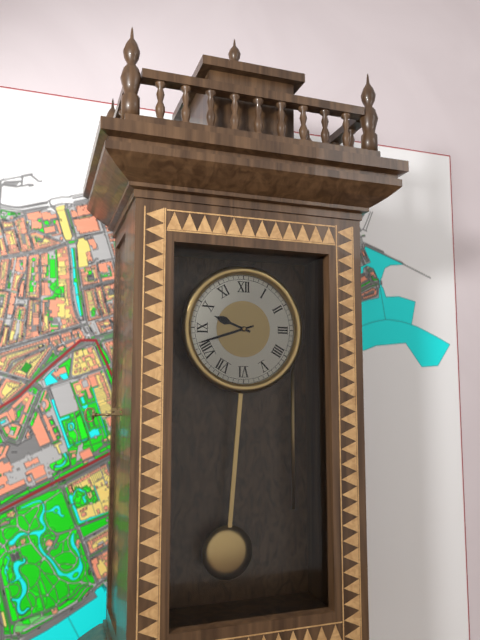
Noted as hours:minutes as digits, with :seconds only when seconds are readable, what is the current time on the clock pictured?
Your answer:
9:42
